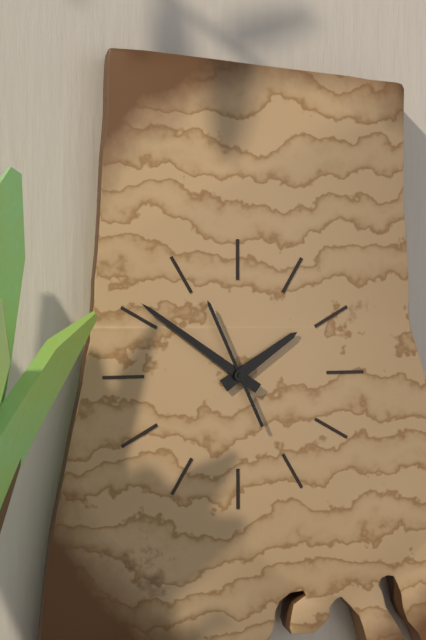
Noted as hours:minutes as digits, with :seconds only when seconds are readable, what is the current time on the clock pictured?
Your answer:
1:51:56
